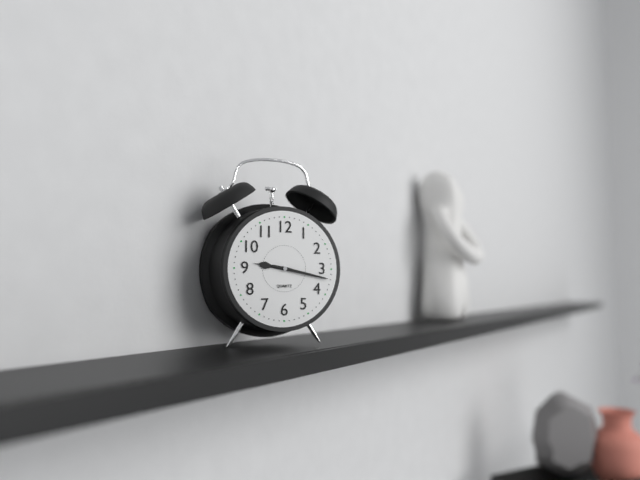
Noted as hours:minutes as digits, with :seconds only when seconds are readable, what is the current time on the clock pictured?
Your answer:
9:17
